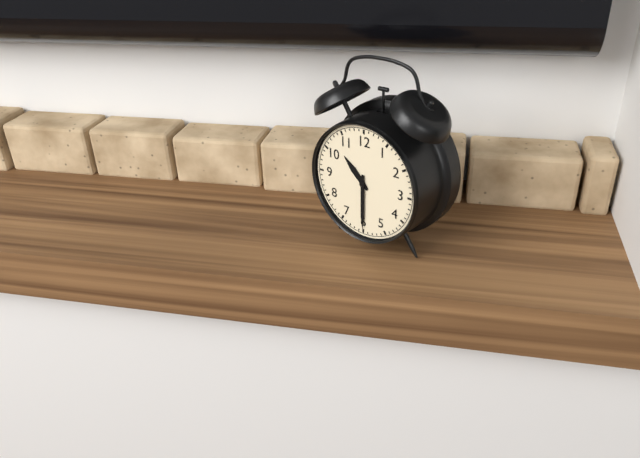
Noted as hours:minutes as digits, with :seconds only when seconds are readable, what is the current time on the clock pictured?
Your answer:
10:30
